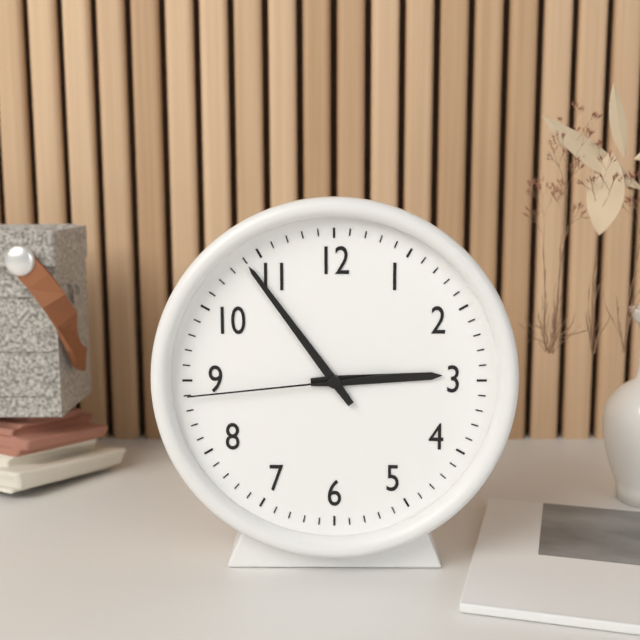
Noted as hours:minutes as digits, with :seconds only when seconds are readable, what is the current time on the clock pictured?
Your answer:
2:54:44
